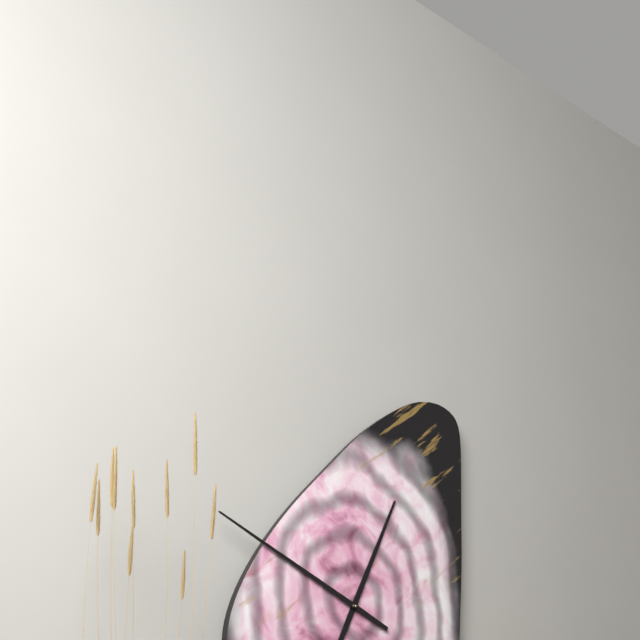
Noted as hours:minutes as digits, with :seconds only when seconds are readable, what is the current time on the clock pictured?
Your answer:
12:49
